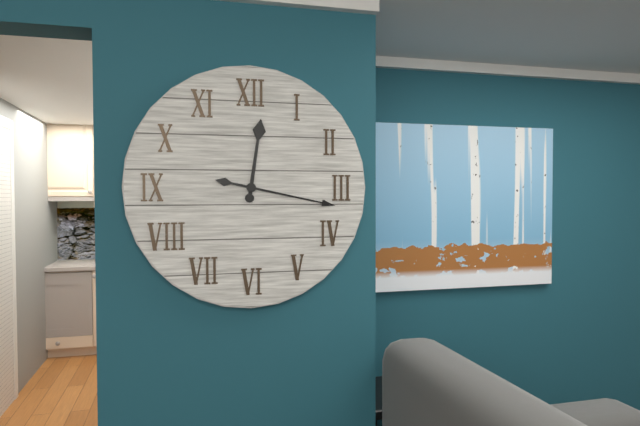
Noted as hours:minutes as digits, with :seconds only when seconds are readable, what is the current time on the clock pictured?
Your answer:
12:17
